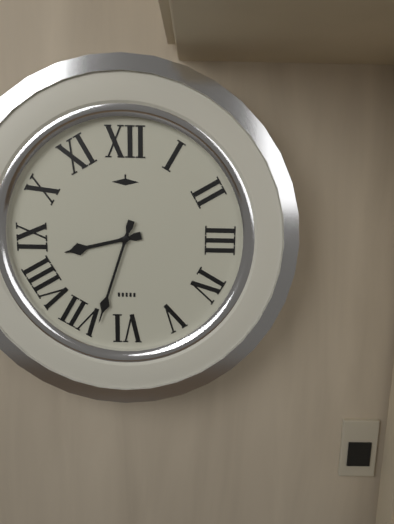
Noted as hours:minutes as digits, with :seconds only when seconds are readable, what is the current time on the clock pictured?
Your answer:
8:33
